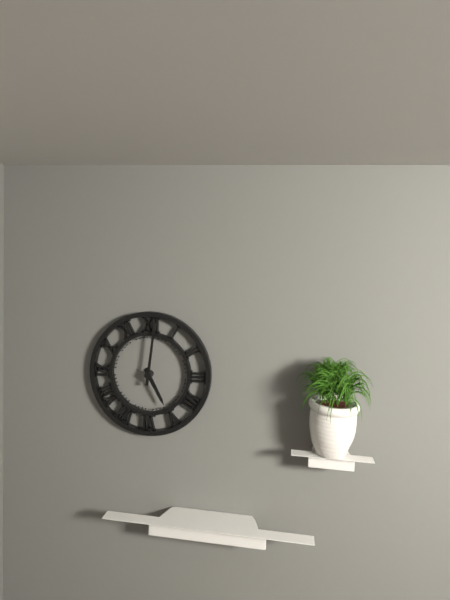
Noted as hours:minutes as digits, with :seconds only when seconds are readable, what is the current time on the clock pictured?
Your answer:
5:01
